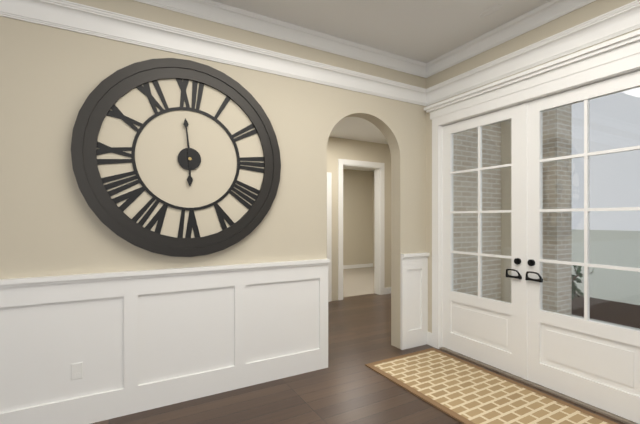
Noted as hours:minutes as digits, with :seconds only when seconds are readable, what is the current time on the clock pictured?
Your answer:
5:59
